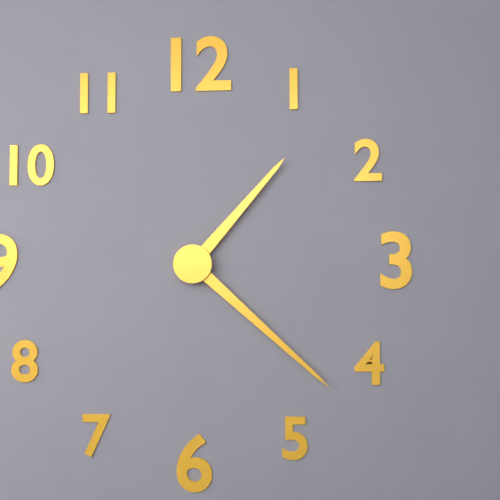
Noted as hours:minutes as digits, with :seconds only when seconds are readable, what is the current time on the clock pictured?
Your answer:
1:22
